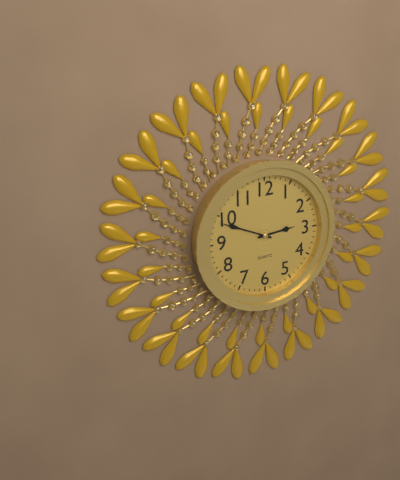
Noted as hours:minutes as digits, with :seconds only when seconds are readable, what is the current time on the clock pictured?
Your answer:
2:49
